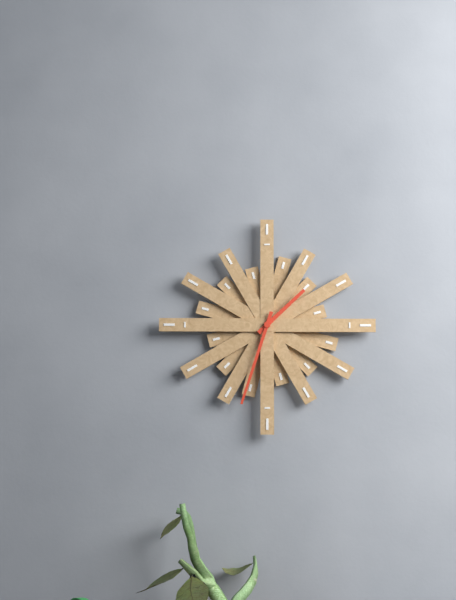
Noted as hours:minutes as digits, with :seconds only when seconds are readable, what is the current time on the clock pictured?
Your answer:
1:33
